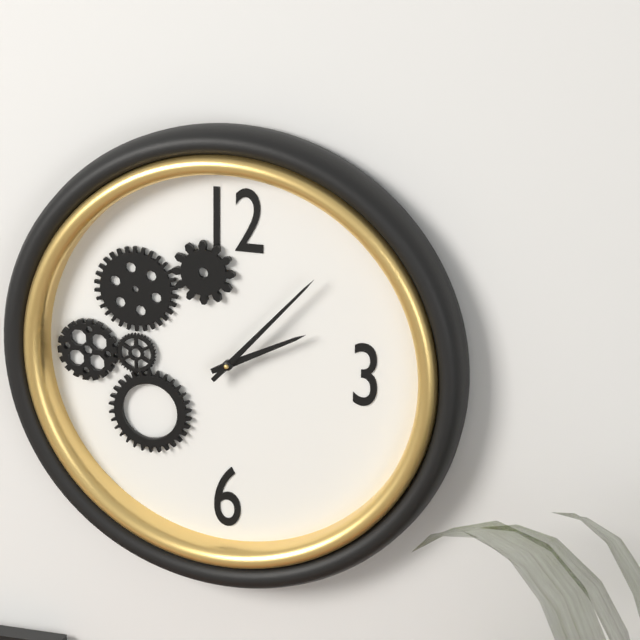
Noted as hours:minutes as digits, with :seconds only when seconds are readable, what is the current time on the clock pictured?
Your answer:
2:07
